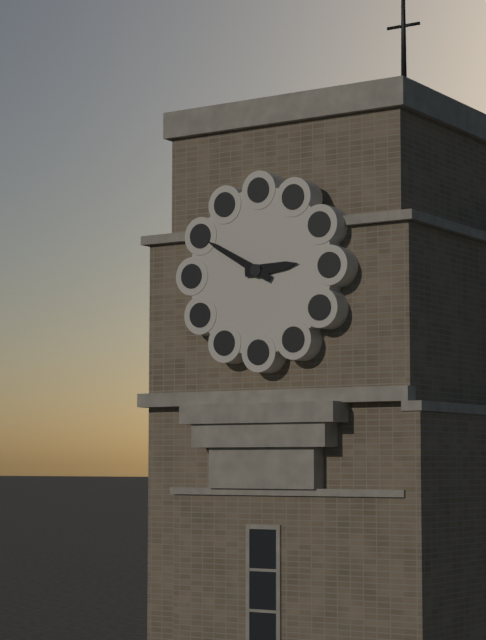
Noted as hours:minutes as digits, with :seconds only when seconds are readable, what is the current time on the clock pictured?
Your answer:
2:50
